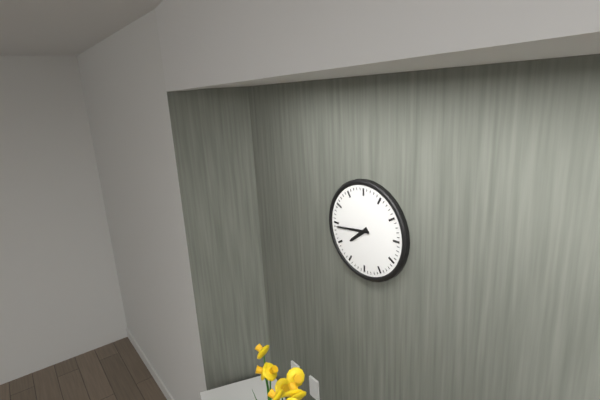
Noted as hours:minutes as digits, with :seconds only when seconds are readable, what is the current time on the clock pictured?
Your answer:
7:44
